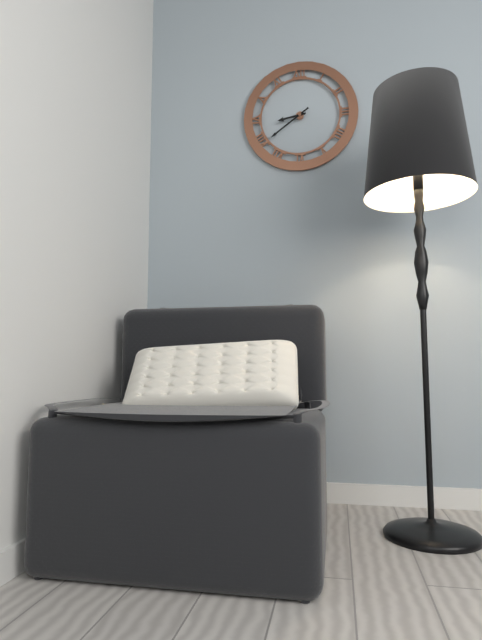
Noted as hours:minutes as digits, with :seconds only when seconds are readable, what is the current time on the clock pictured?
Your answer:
8:39
